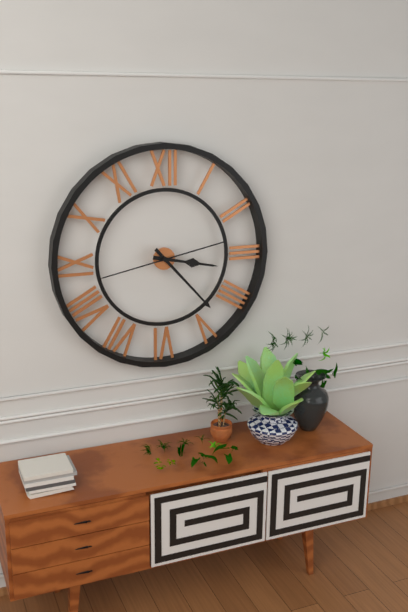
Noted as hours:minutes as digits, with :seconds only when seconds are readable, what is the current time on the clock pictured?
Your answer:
3:23:43
